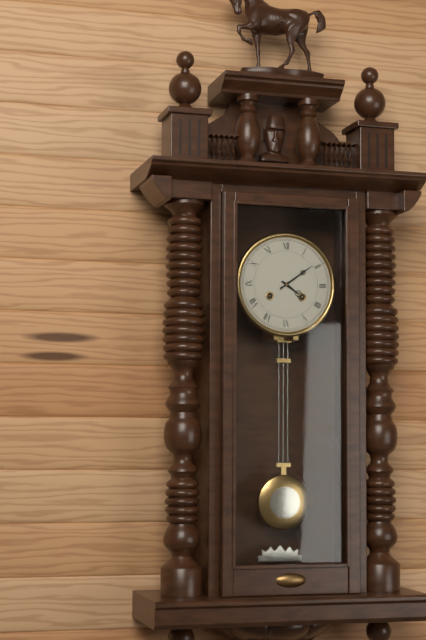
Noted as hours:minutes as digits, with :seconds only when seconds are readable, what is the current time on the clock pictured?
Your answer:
4:09
